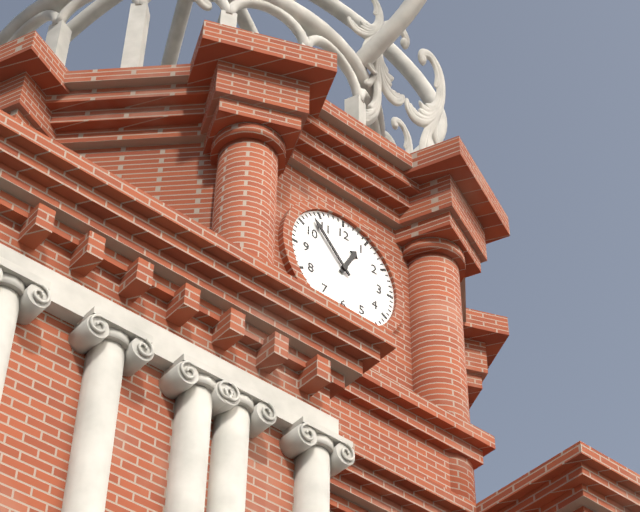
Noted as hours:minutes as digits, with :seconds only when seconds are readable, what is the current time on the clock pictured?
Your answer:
12:53
